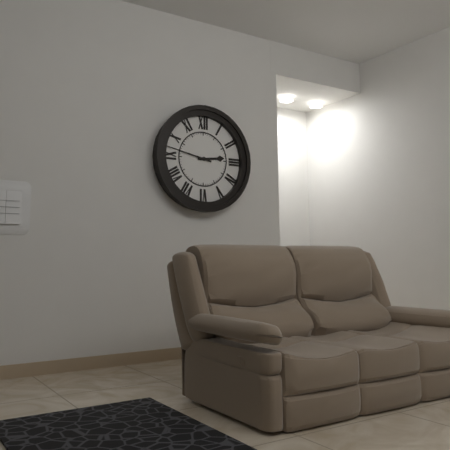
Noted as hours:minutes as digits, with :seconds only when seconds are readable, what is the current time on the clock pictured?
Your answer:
2:47
